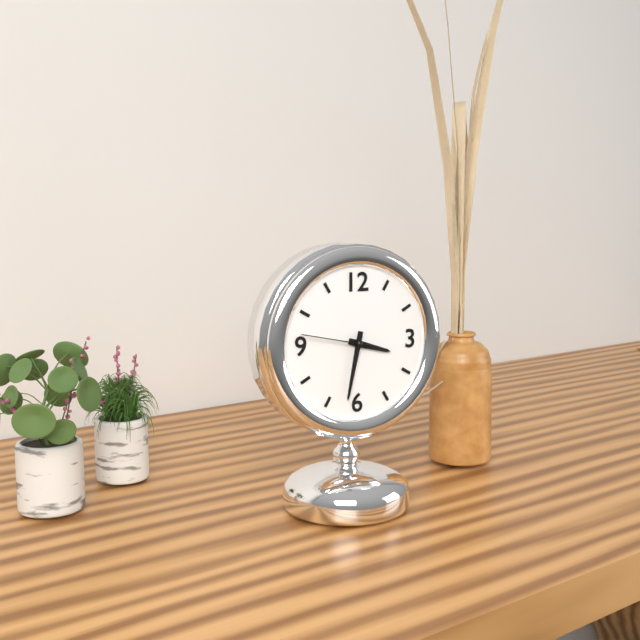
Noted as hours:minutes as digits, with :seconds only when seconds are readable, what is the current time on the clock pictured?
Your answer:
3:32:47
